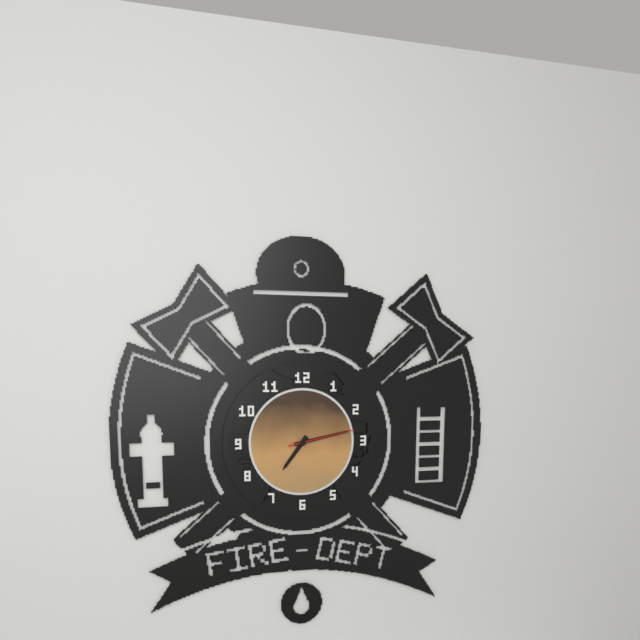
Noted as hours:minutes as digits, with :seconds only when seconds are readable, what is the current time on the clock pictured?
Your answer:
7:13:13
